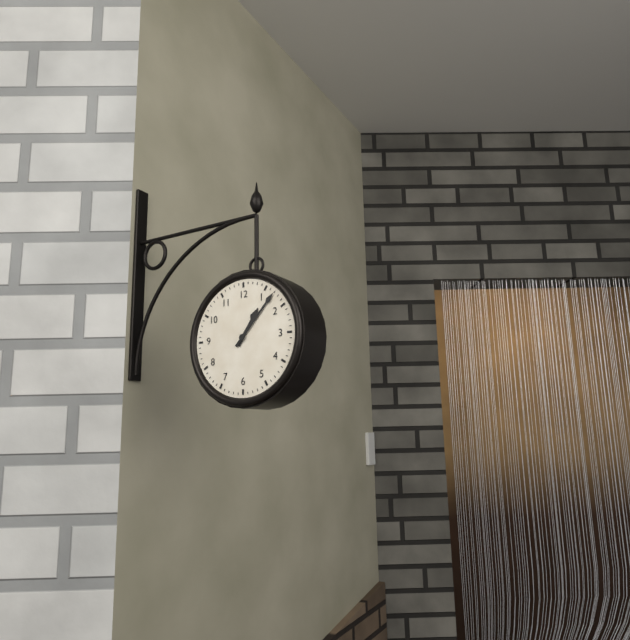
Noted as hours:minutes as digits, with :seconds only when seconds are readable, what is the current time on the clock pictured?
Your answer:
1:07
